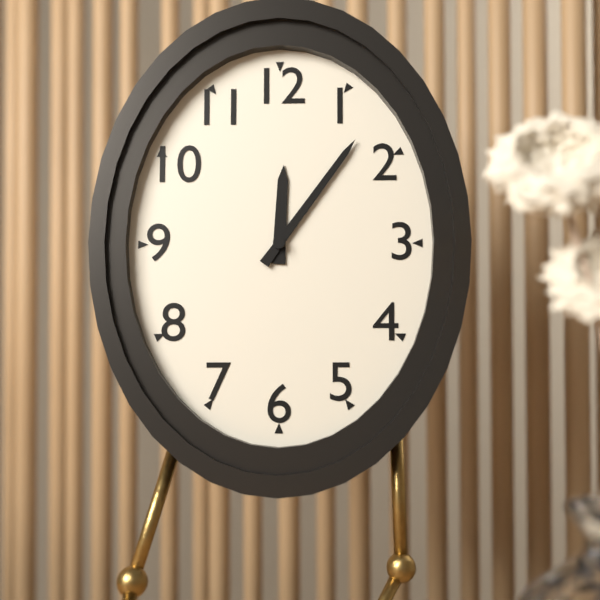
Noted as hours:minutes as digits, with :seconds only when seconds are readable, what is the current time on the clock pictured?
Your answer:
12:06
